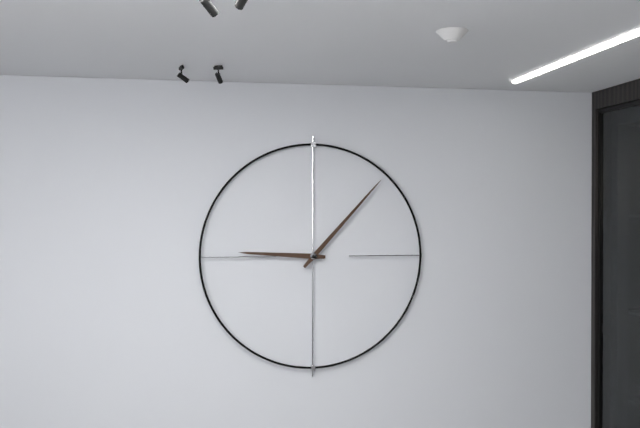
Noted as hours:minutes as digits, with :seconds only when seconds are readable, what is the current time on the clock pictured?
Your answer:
9:07
